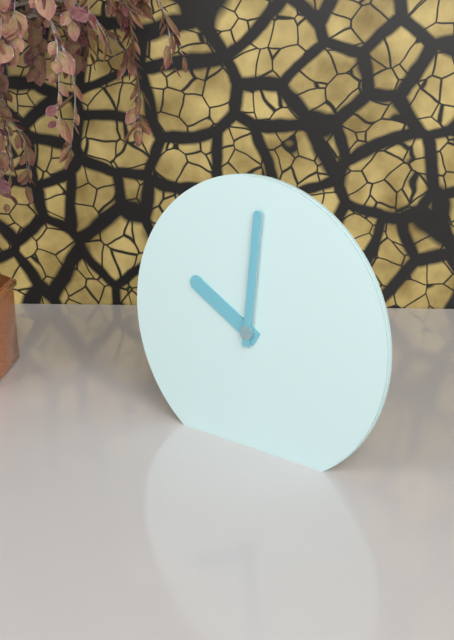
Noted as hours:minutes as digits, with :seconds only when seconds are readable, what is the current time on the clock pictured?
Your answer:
10:01
